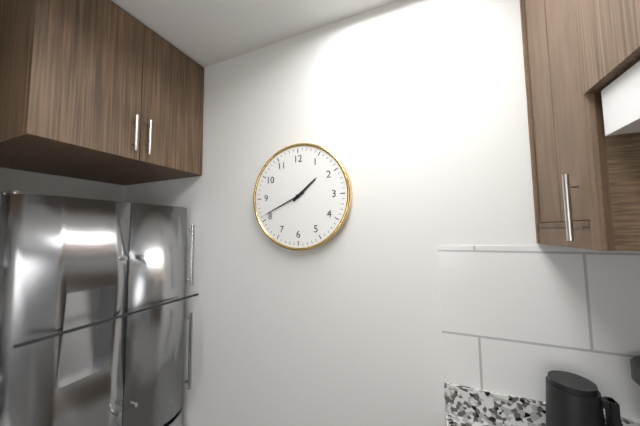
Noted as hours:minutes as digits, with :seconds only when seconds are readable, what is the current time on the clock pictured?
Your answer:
1:41
